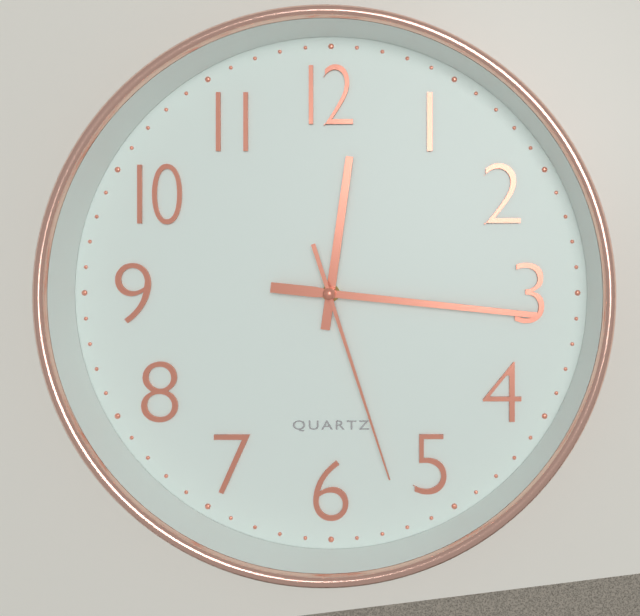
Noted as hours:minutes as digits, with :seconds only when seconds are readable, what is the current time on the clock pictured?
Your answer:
12:16:27
